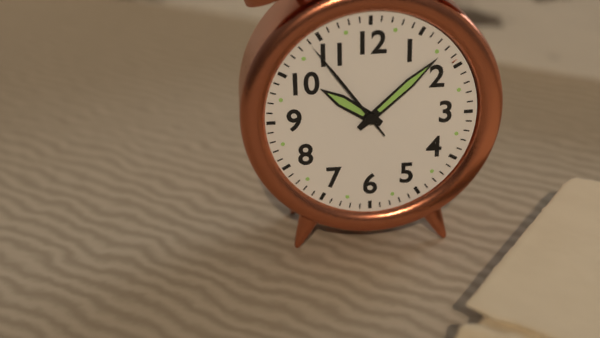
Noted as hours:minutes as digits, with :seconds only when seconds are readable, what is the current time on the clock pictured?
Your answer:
10:08:54
